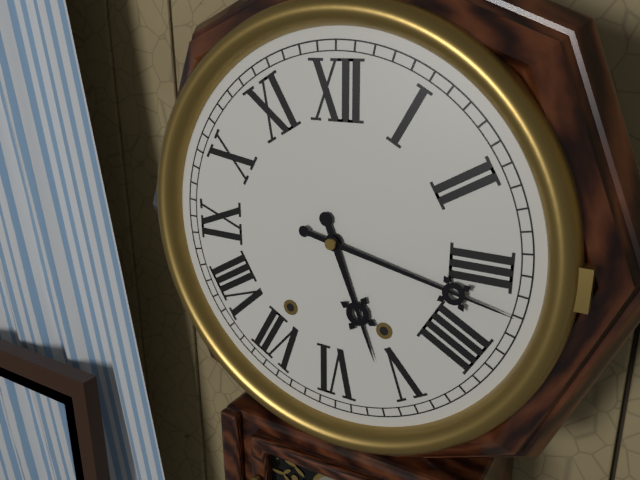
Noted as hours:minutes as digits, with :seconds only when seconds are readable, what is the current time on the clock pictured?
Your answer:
5:17
